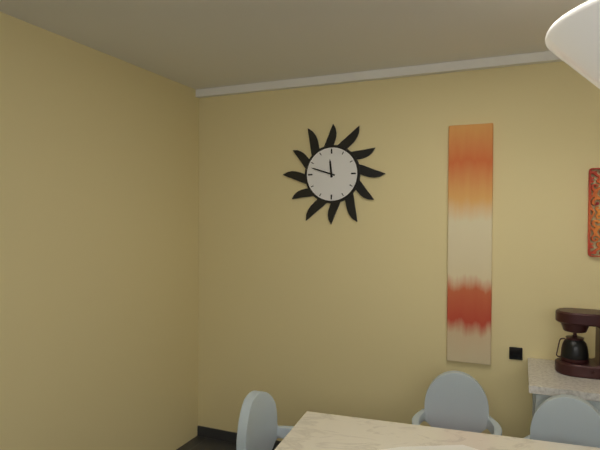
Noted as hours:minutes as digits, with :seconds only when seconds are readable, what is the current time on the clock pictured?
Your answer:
11:48
